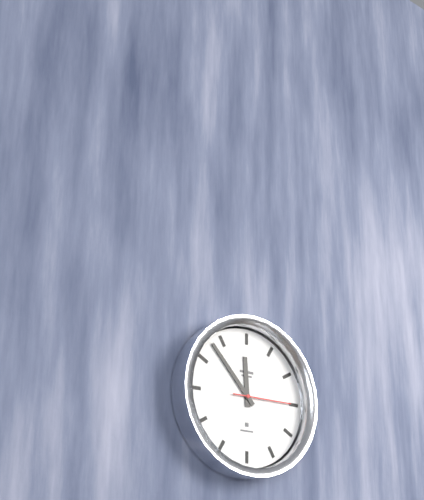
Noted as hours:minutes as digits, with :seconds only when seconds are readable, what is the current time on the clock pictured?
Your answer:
11:53:15
